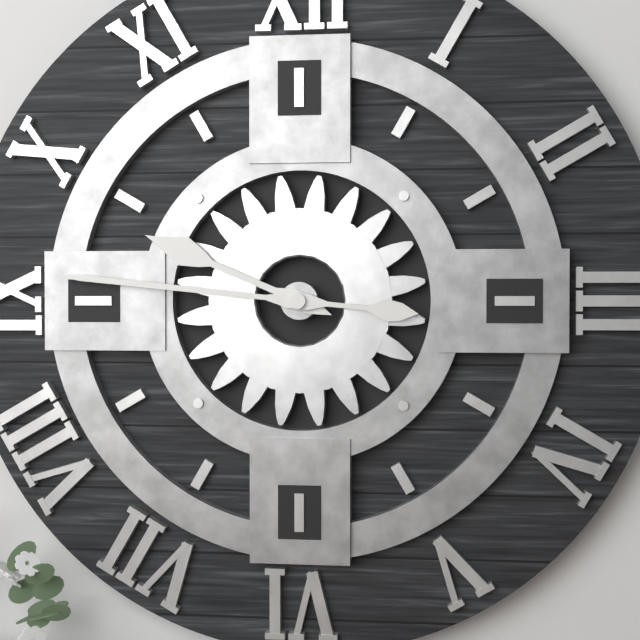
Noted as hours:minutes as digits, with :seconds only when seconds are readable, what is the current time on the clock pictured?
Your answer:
9:46
